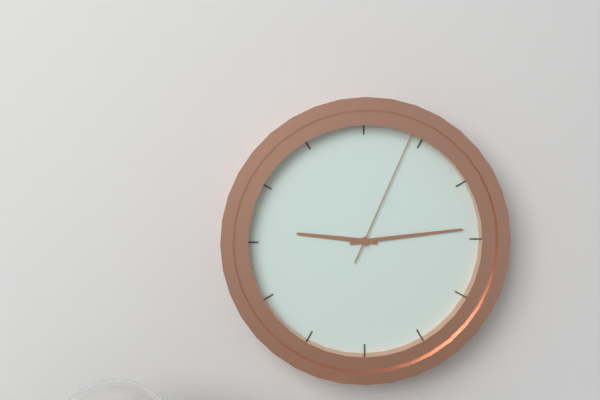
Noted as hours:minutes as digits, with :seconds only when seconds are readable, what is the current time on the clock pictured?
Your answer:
9:14:04
